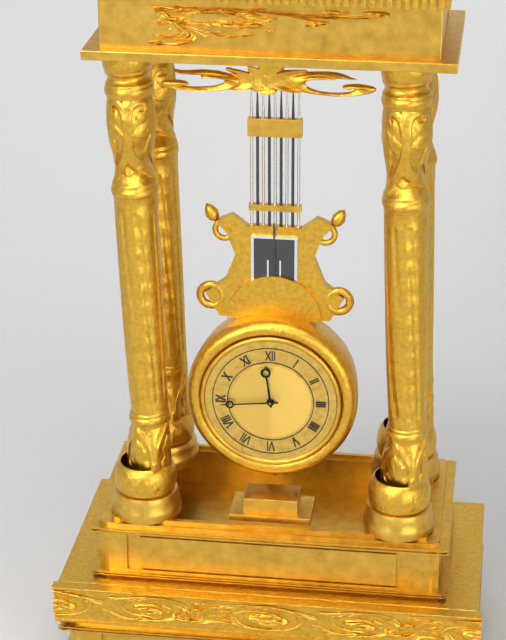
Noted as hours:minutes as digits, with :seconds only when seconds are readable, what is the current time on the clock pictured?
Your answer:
11:44
